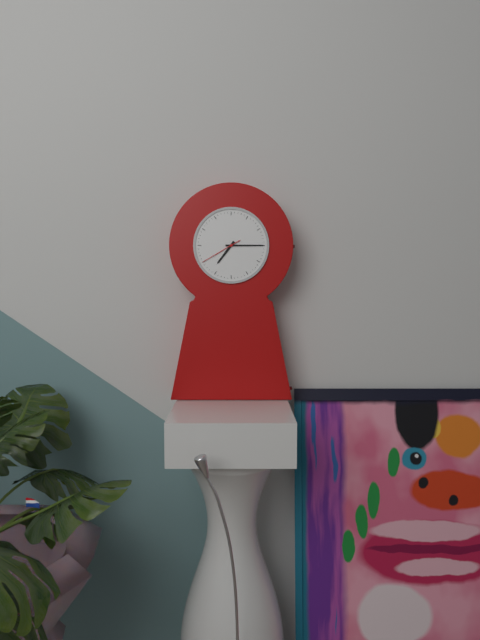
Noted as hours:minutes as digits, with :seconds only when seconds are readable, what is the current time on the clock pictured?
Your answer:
7:15
